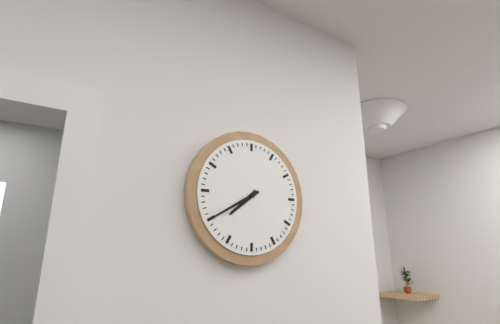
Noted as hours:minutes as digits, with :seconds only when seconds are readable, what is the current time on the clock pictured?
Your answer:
7:40
